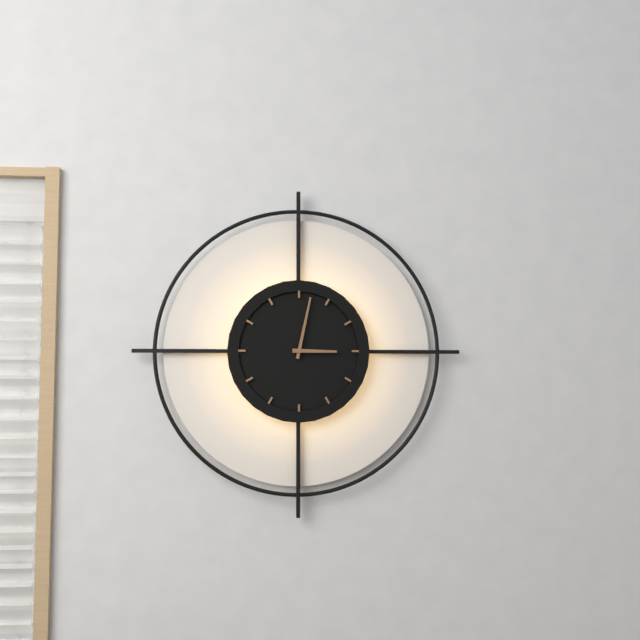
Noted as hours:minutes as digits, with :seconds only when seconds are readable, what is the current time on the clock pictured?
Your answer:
3:02
